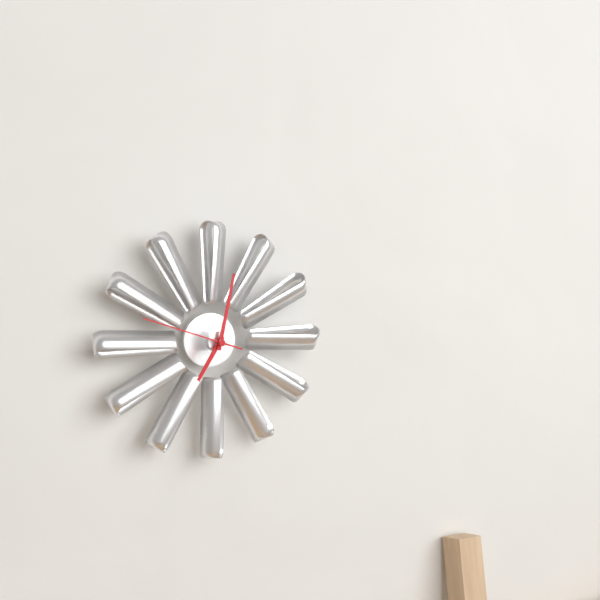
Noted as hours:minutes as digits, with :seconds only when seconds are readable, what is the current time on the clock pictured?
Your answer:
7:02:48
